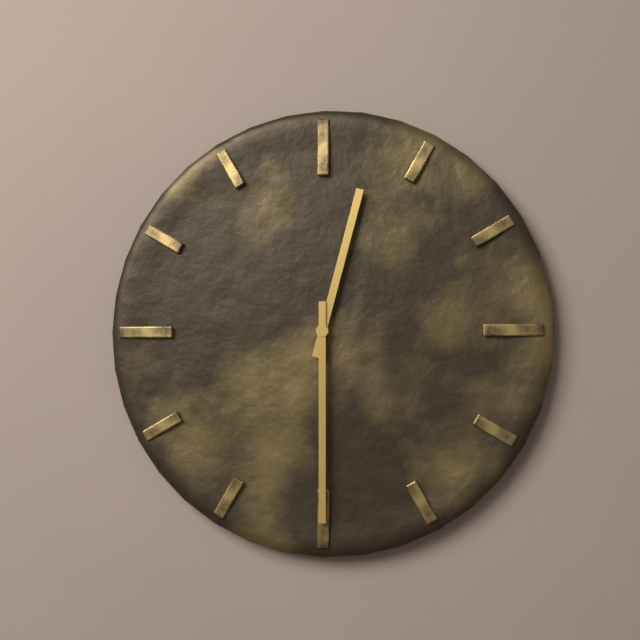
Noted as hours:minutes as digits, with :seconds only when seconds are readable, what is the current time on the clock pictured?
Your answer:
12:30
